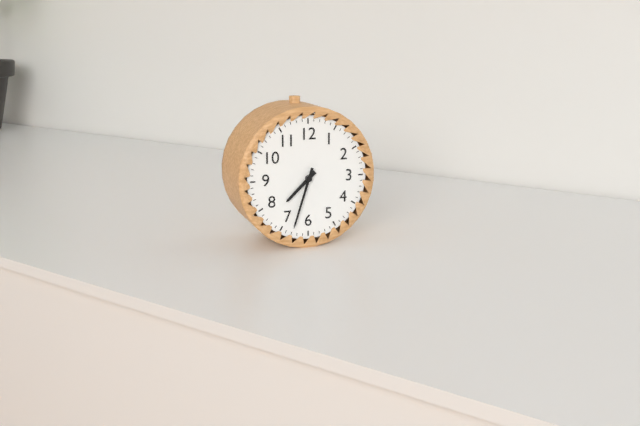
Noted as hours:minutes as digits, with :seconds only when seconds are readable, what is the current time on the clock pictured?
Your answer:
7:33
